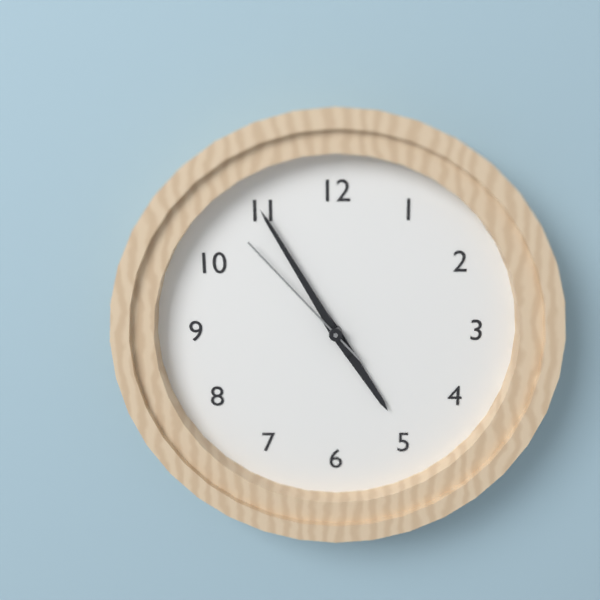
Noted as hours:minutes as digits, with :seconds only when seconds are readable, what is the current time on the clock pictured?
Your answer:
4:55:53
